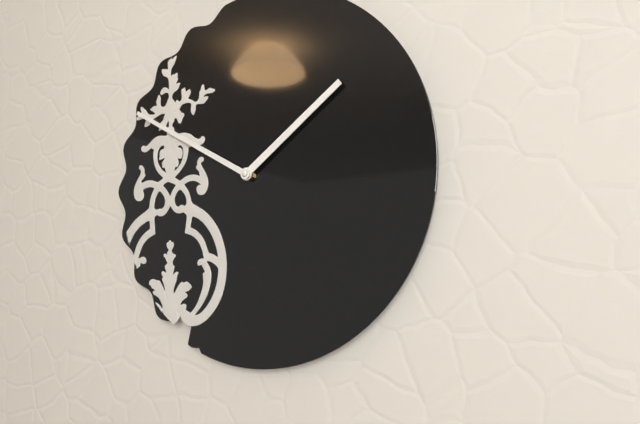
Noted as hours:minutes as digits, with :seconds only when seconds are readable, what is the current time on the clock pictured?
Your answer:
1:50
